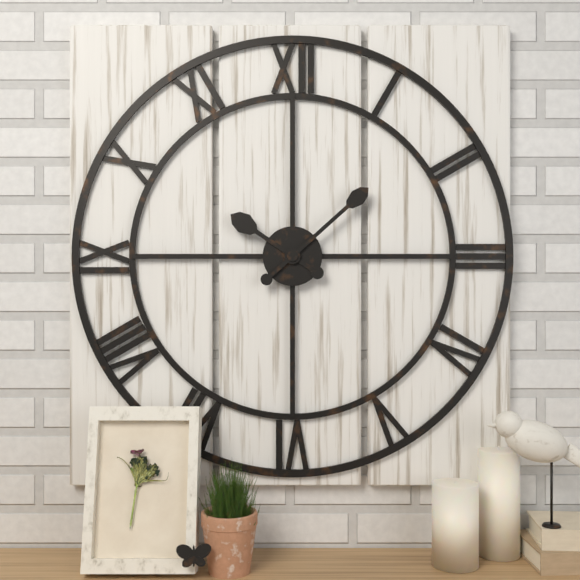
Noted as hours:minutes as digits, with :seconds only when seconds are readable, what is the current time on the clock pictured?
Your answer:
10:08
